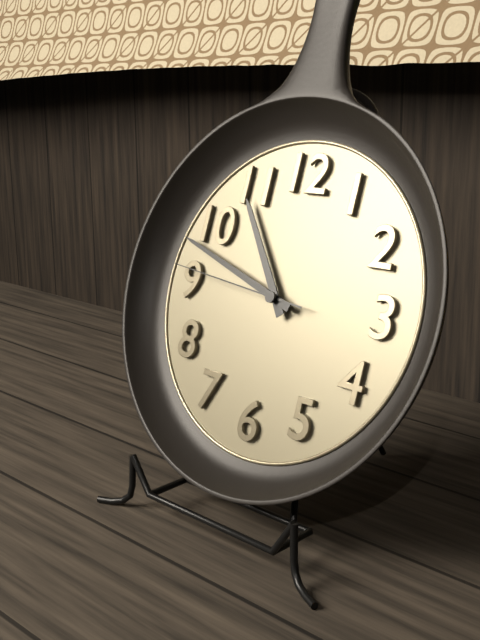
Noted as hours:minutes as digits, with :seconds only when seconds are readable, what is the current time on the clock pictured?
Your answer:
10:48:46
